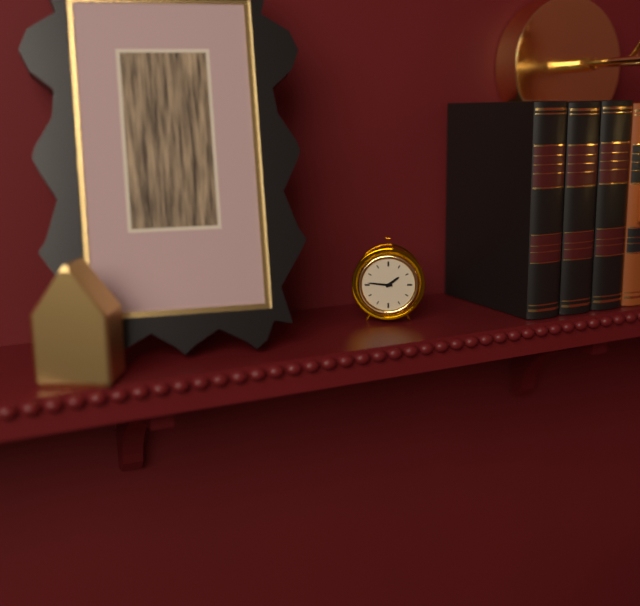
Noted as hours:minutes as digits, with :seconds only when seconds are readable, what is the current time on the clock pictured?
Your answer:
1:46
